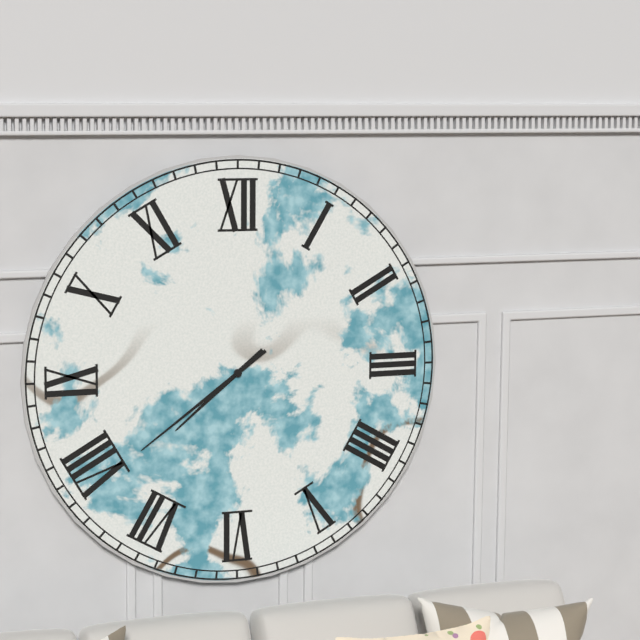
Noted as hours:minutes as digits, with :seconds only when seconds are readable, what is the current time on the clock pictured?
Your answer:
7:39
